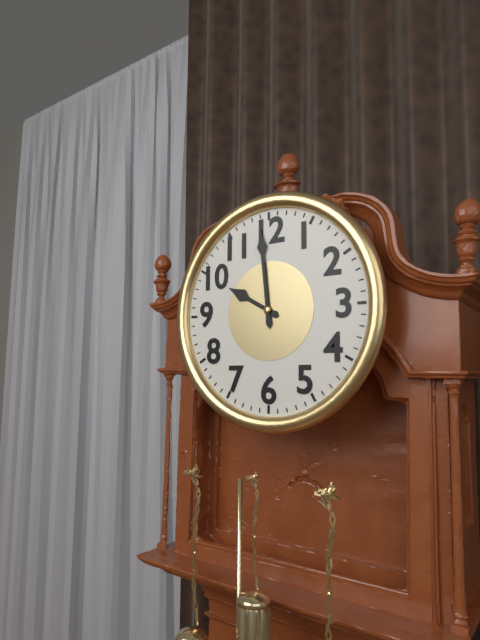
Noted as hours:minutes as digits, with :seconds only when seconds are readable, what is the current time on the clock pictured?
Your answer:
9:59
